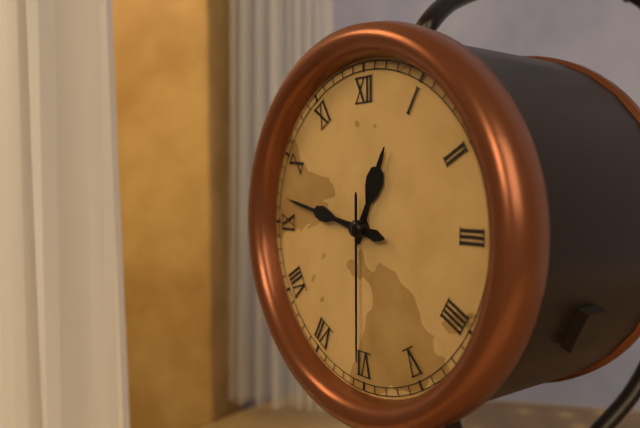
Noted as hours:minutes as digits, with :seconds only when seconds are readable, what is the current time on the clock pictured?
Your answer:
12:47:30
